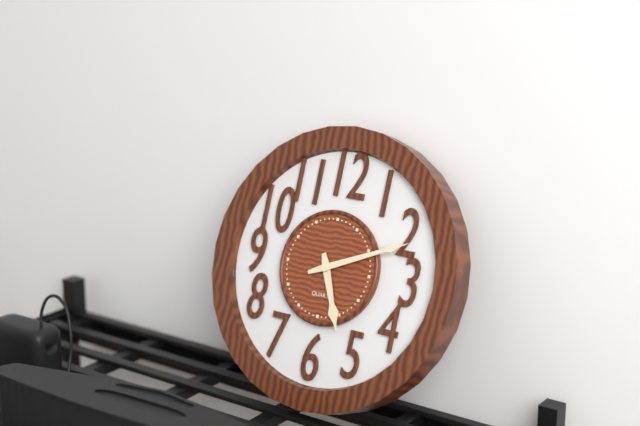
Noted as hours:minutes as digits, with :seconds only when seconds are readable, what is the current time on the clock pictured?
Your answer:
5:11
